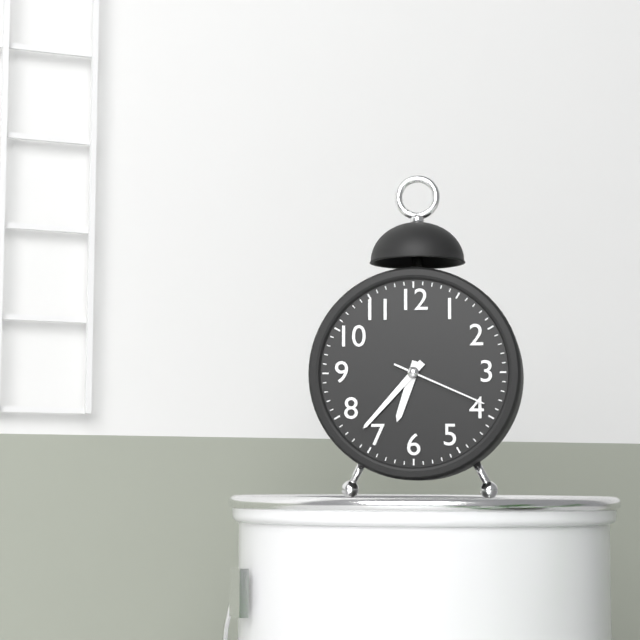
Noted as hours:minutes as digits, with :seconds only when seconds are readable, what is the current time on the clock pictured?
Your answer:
6:37:19
